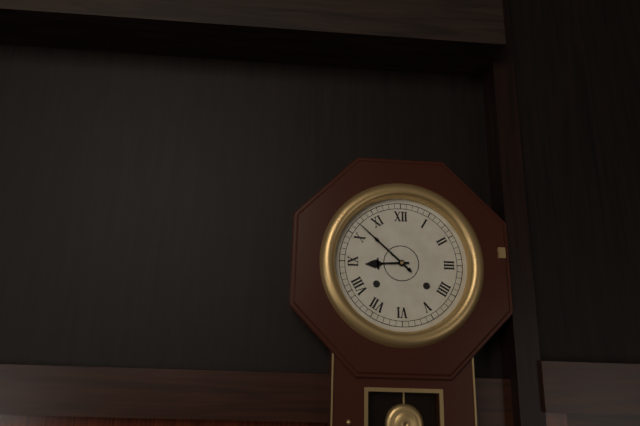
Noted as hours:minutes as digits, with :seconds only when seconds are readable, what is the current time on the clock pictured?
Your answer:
8:52
